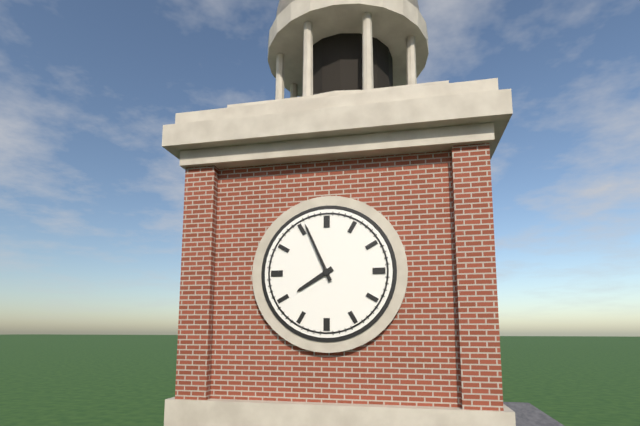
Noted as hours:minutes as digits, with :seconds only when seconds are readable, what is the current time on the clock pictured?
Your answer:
7:56
